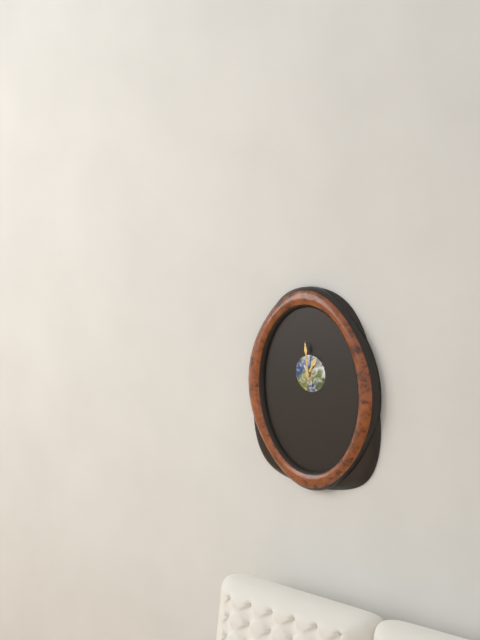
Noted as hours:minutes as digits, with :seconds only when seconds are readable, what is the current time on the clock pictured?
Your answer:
12:59
